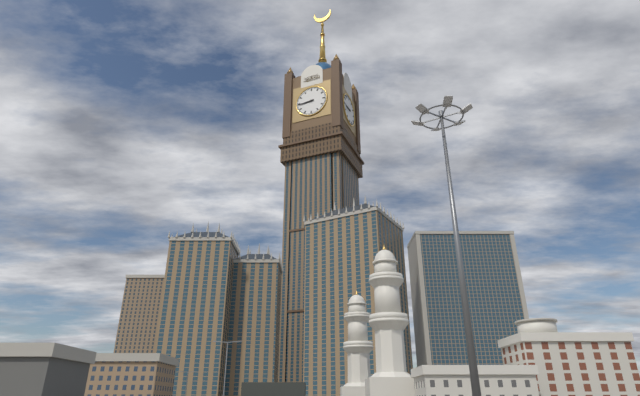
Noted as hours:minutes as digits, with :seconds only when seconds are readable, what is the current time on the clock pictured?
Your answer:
8:44
